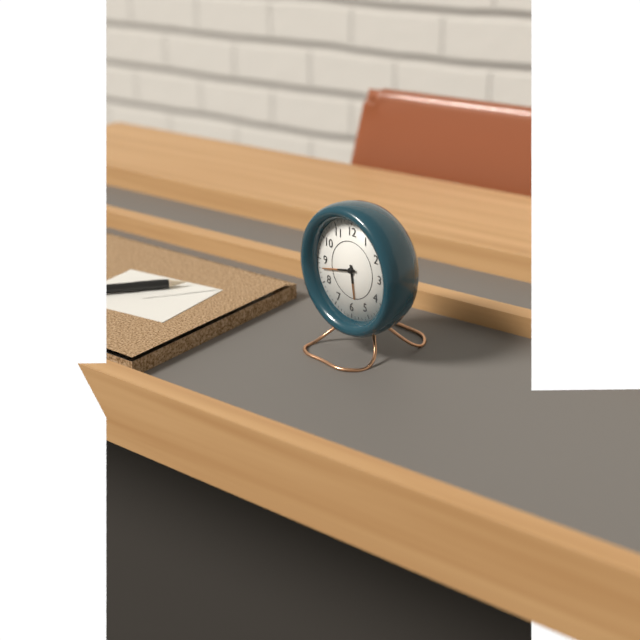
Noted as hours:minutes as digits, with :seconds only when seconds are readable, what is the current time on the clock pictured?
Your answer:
5:43
